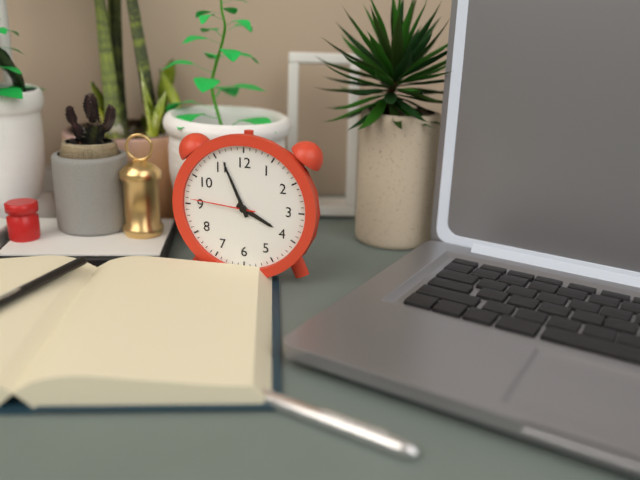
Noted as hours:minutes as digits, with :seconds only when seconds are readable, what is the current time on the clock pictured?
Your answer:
3:56:46
